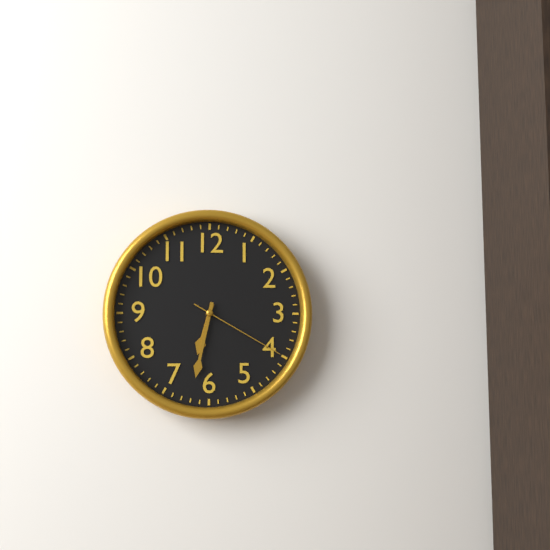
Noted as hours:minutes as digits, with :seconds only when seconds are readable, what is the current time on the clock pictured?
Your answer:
6:32:20
